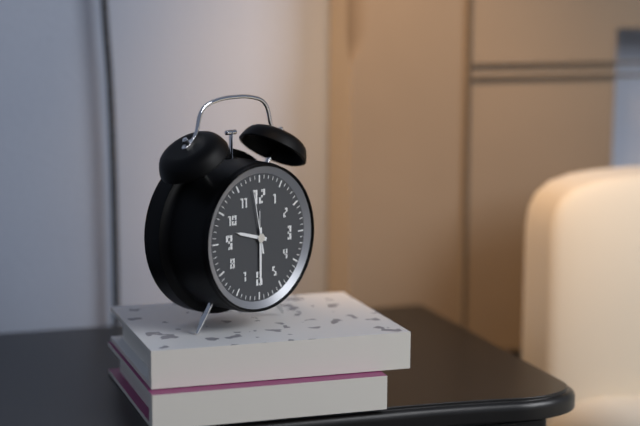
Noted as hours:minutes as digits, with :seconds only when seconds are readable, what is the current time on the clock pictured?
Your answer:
9:30:58
